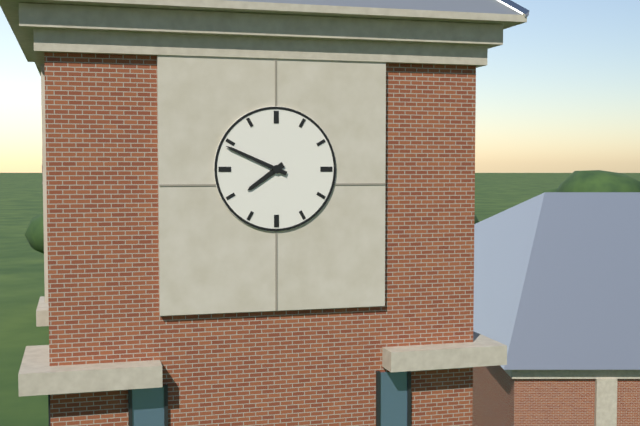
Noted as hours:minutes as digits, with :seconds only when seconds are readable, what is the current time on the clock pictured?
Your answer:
7:49
